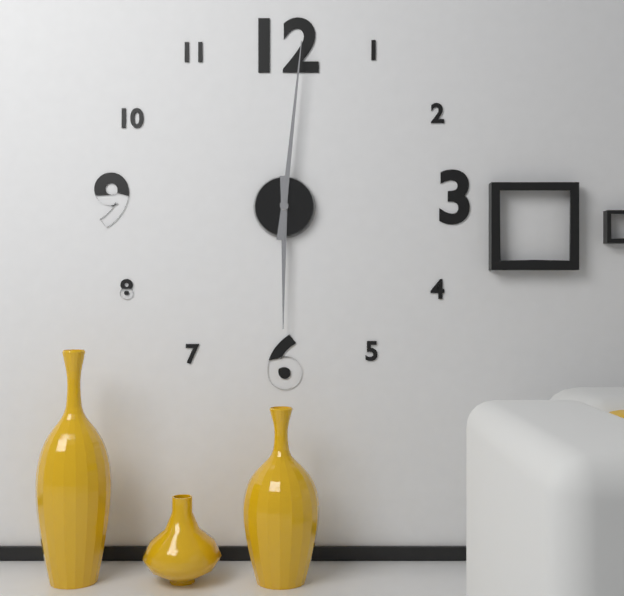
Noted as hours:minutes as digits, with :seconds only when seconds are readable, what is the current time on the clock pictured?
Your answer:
6:01
